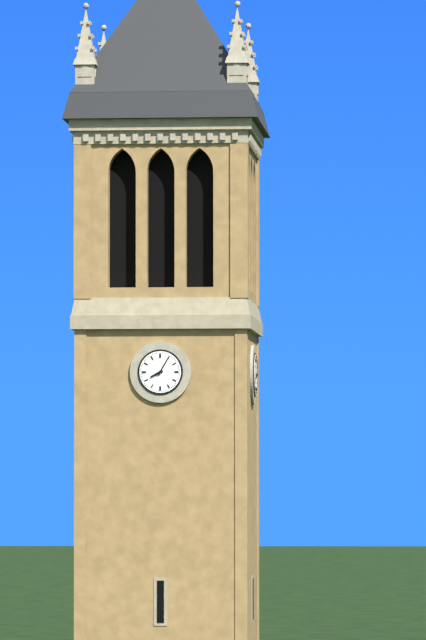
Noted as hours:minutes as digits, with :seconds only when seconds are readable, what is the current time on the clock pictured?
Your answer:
8:05
